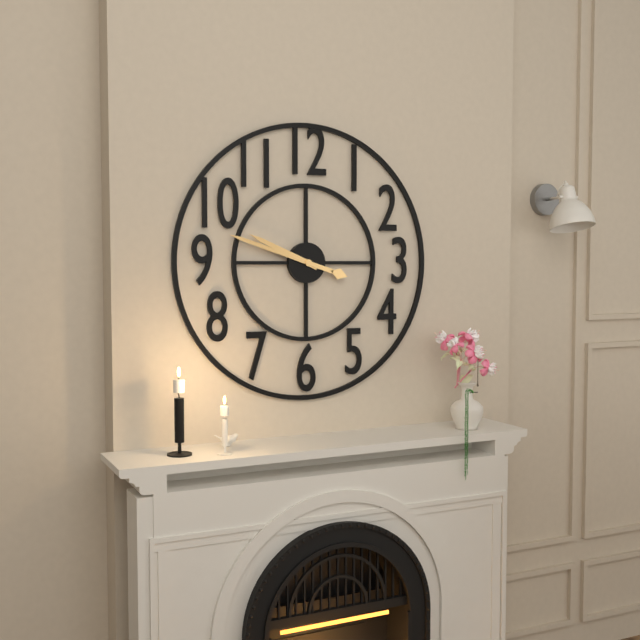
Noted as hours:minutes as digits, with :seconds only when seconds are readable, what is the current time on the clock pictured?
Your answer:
9:48
